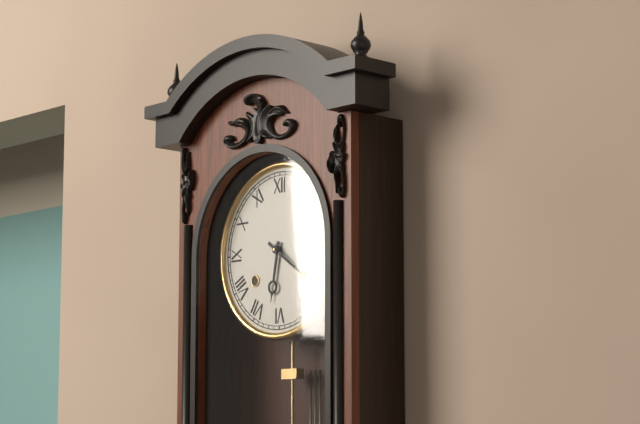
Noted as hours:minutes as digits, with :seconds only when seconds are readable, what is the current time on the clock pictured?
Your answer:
6:21
